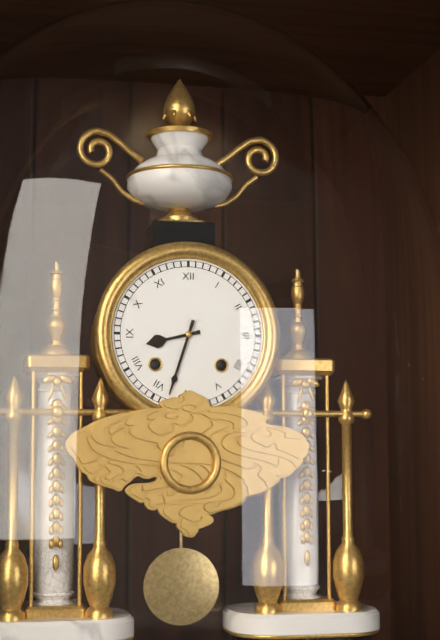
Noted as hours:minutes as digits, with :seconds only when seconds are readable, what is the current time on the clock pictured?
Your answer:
8:33
